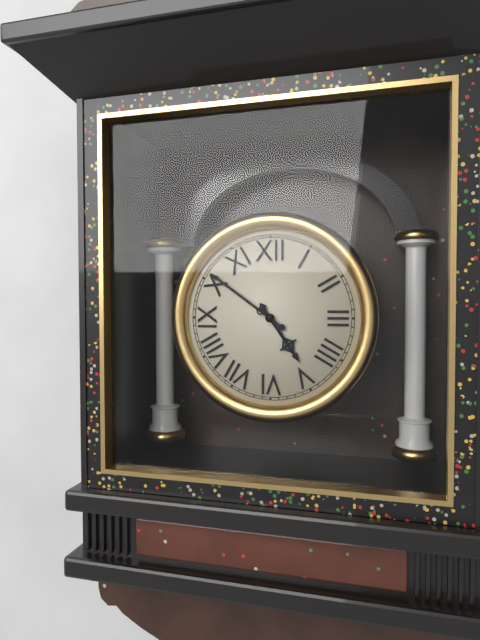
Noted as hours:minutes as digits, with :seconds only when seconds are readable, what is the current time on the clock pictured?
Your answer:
4:51
